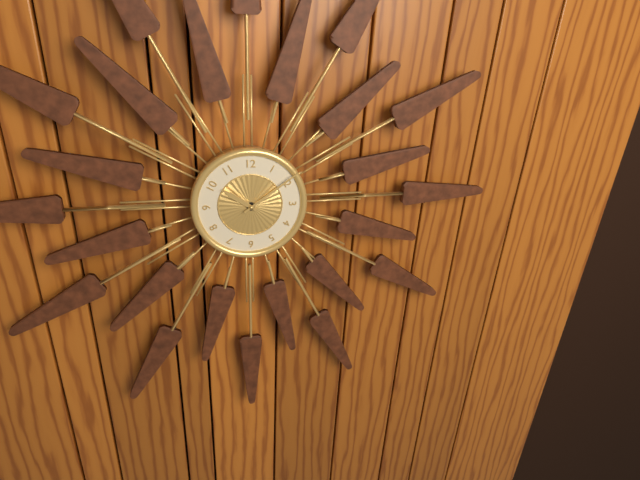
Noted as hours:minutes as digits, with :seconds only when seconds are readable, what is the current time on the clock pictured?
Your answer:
10:09
